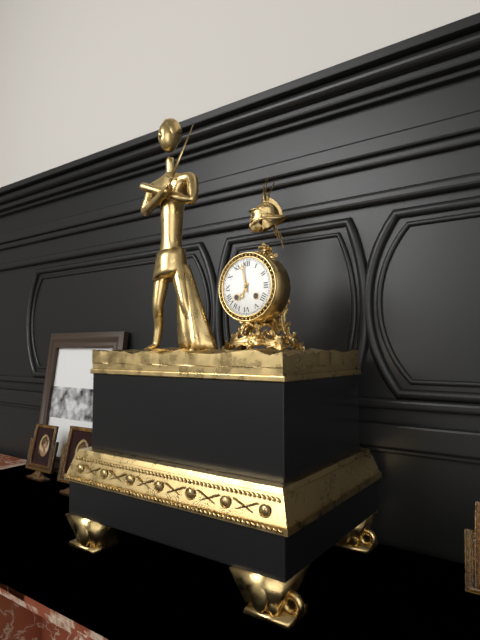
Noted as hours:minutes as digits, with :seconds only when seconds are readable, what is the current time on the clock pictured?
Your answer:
6:58
